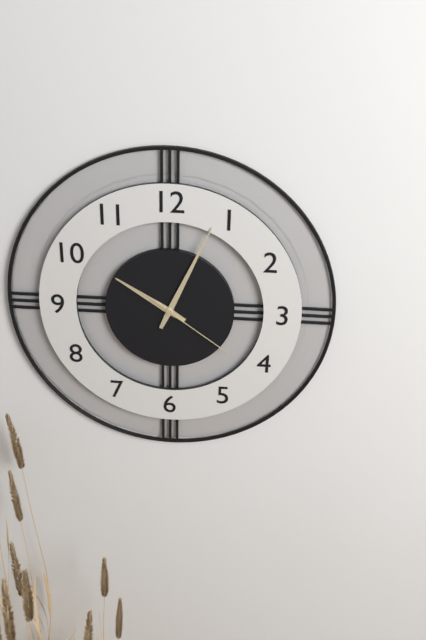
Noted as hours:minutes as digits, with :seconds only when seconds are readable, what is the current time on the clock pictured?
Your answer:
10:04:21
